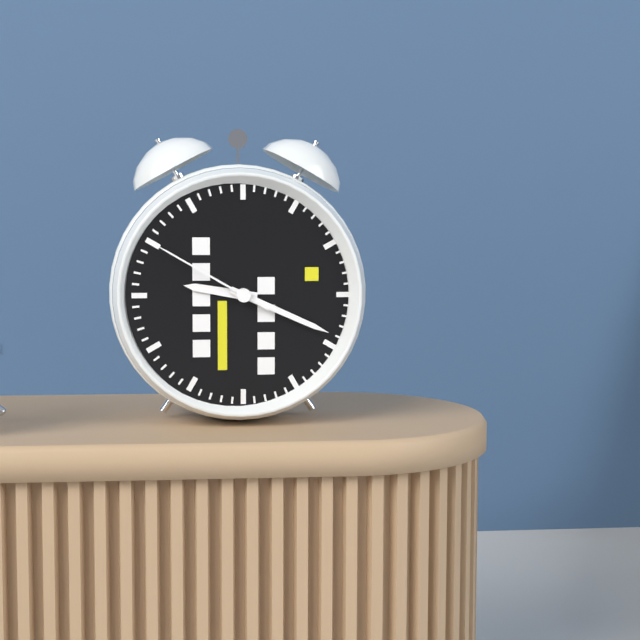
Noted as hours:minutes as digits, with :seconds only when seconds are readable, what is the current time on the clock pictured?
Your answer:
9:19:50
